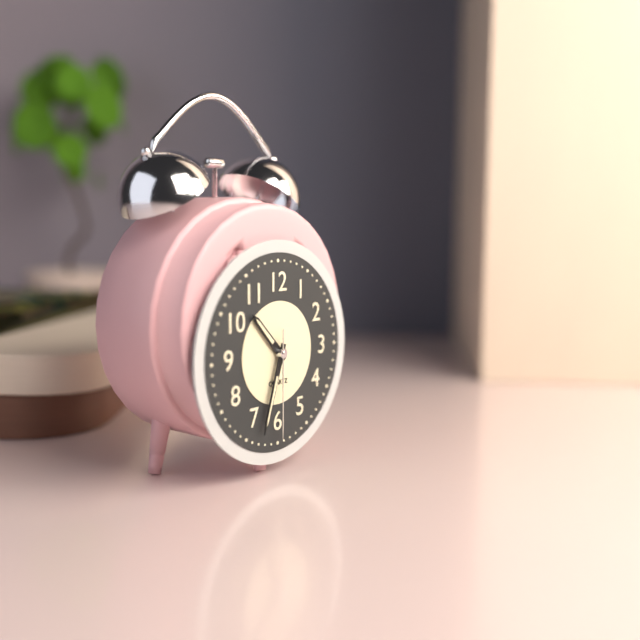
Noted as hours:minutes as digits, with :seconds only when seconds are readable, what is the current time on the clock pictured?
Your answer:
10:33:30
